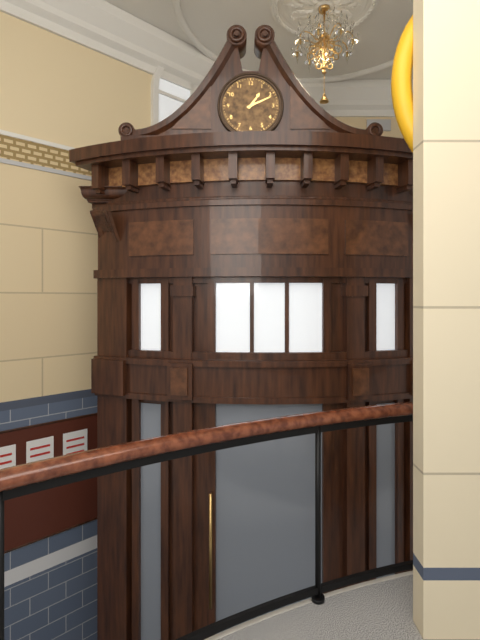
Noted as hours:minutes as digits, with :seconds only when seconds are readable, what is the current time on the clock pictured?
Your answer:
1:11
